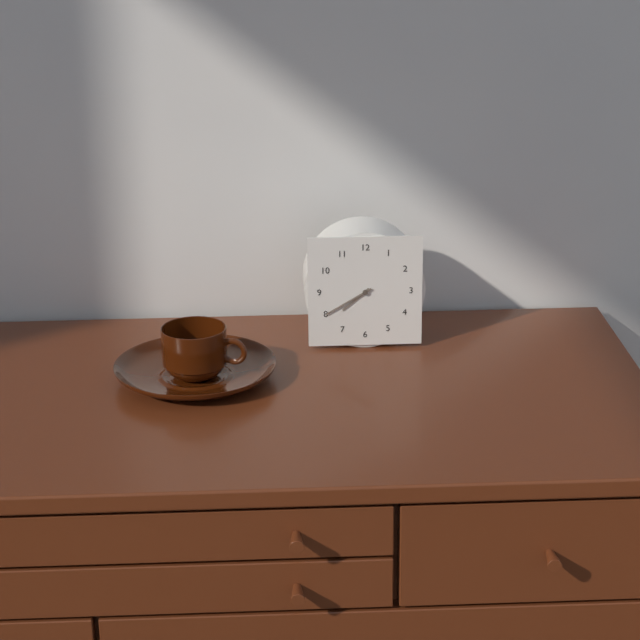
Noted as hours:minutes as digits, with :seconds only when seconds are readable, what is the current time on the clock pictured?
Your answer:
7:40
